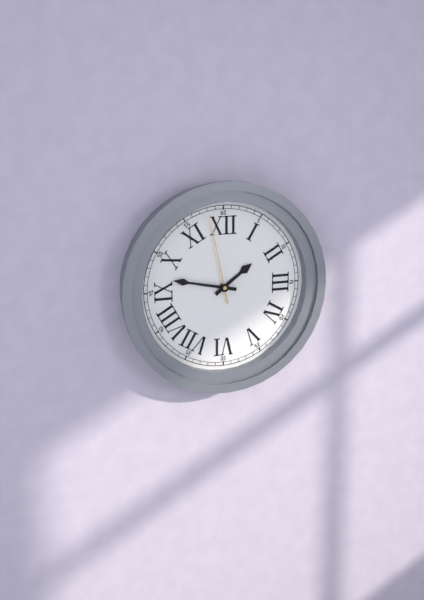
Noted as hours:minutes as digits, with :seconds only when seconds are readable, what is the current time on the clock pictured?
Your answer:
1:47:58
